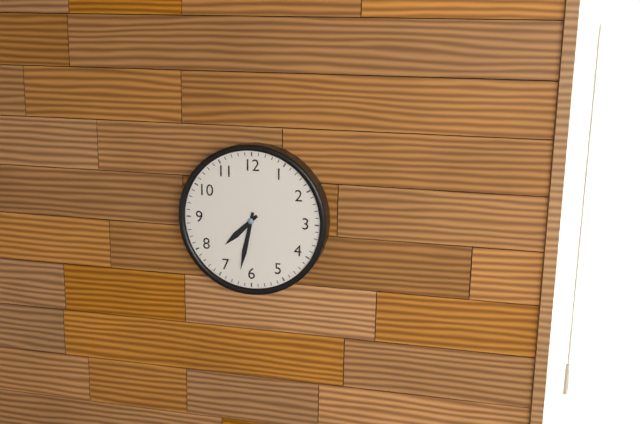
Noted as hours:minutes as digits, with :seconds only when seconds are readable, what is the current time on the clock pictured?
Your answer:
7:32
